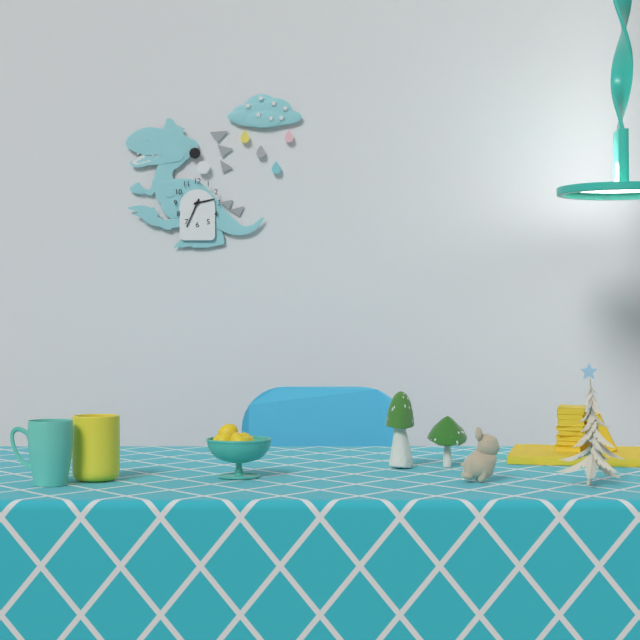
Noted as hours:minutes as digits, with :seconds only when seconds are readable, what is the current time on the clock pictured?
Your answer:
2:34
